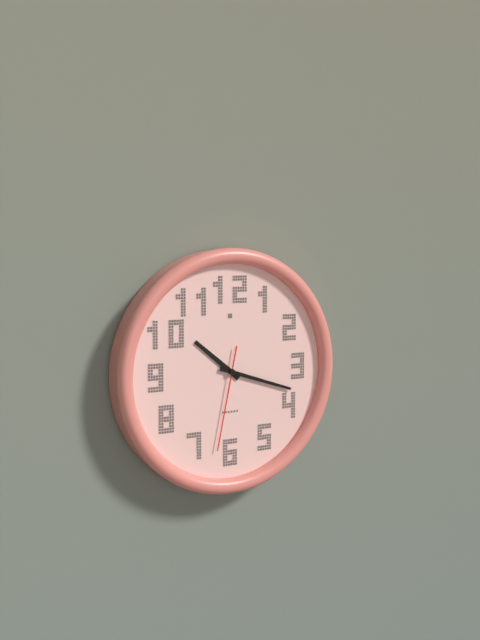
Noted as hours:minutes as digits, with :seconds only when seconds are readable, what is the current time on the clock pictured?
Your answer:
10:18:32
